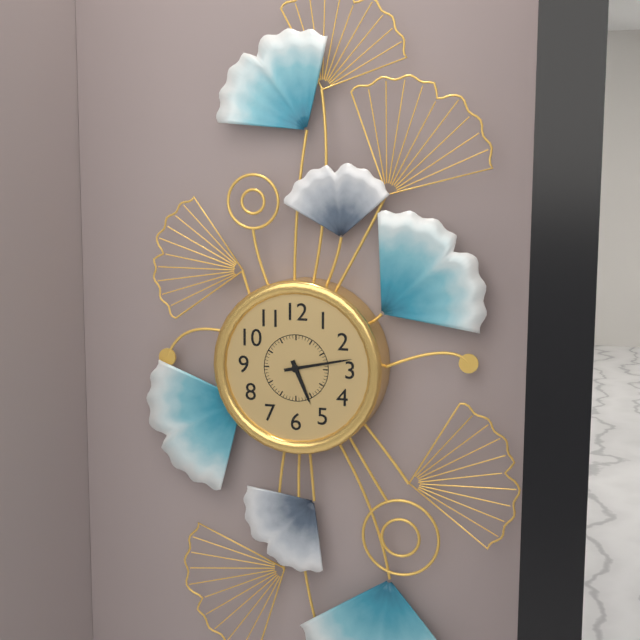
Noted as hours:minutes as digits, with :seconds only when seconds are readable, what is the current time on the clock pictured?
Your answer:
5:13
